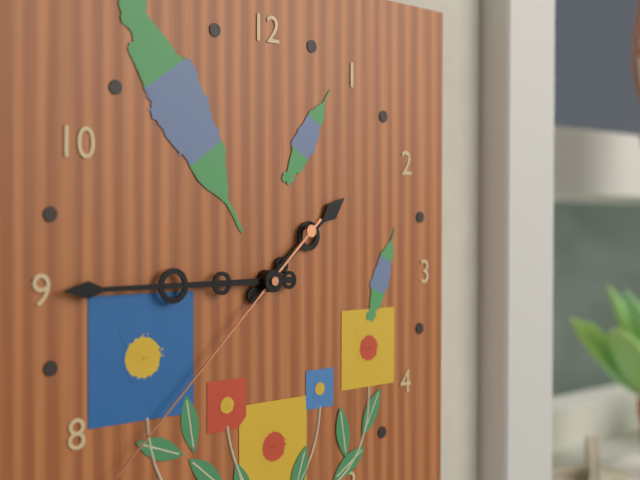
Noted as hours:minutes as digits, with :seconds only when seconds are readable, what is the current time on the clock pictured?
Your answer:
1:45:38
